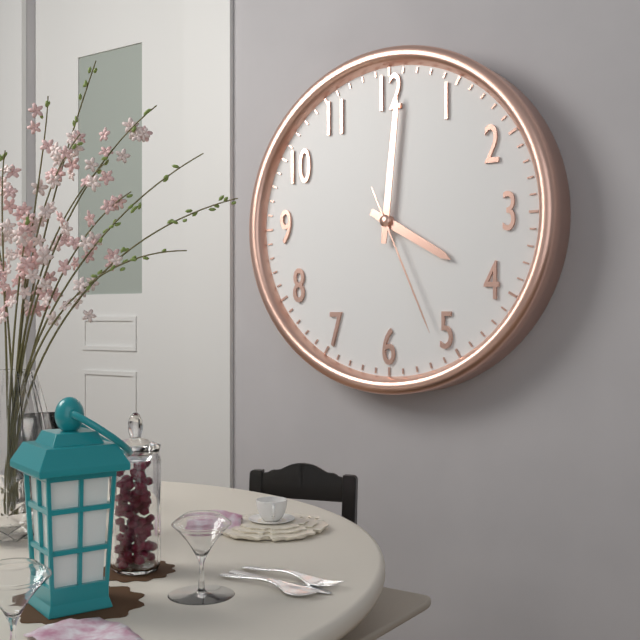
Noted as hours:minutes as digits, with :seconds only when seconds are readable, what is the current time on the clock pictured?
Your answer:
4:01:26
